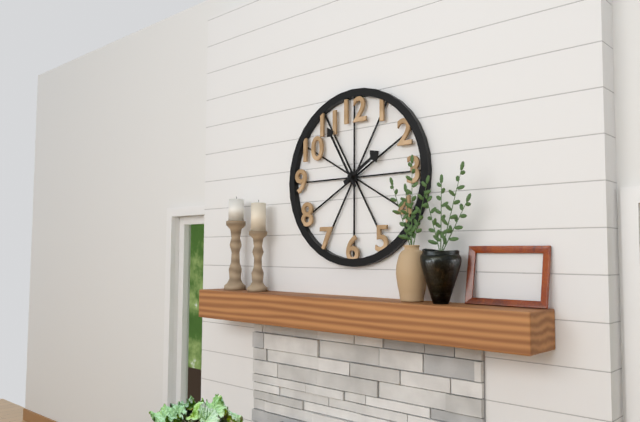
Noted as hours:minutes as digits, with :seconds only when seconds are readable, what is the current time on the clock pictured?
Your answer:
1:55
